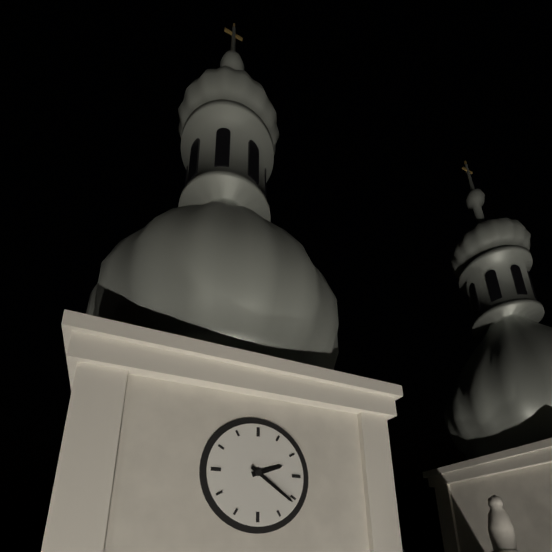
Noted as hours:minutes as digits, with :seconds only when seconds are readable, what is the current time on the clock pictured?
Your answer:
2:21
